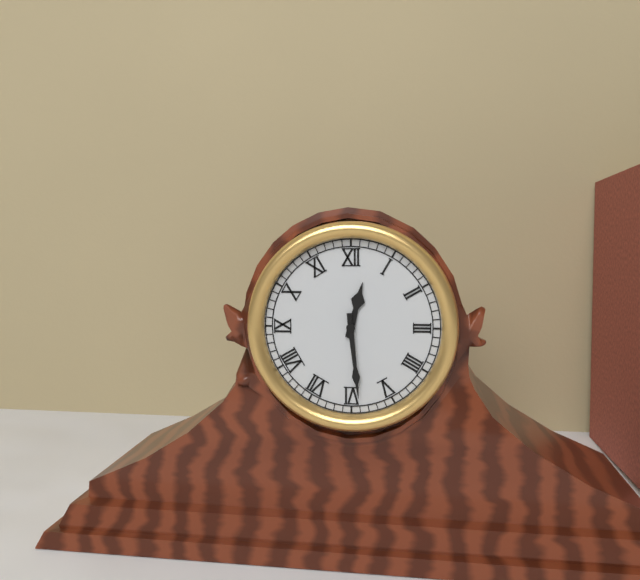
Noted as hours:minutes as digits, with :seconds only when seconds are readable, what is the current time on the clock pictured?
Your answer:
12:29
